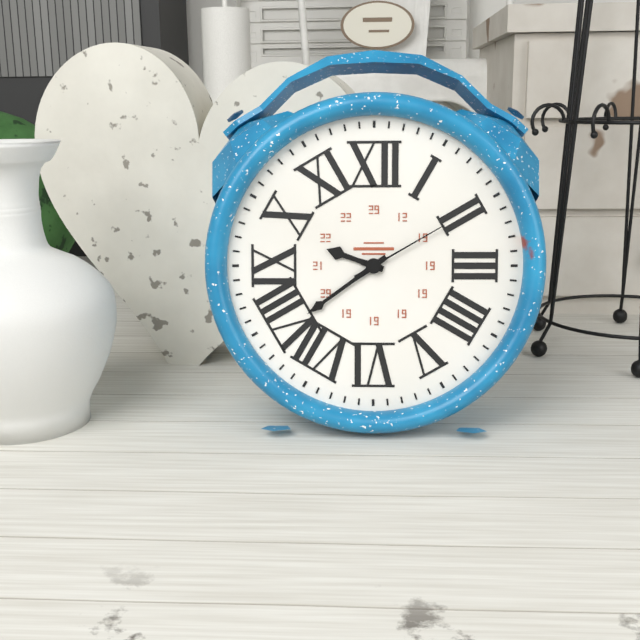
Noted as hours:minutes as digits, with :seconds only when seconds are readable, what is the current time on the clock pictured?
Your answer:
9:39:10
